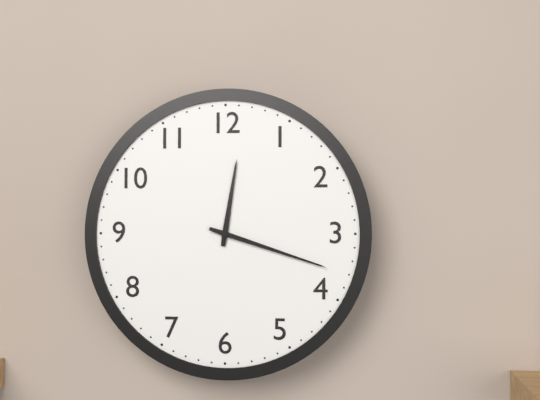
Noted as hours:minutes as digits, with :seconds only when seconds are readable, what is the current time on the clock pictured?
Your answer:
12:18
